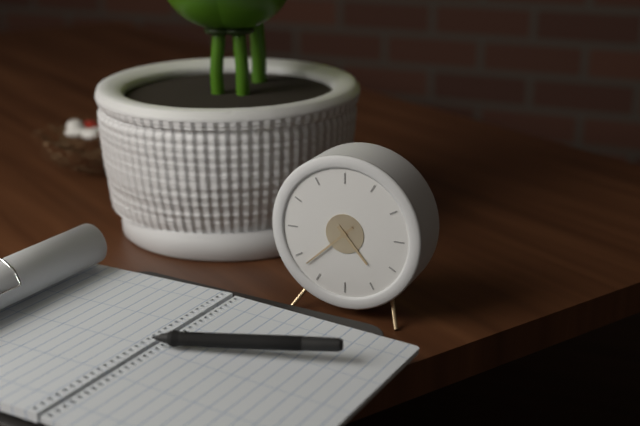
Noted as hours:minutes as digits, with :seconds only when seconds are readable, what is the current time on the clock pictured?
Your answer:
4:38
